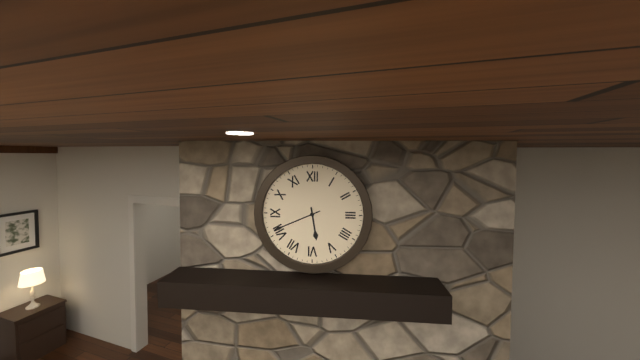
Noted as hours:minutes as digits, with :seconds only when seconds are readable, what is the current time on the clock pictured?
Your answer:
5:41
